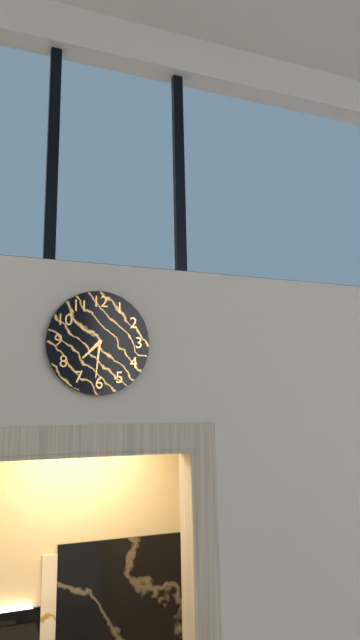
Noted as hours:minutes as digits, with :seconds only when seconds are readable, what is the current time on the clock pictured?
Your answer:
7:31
